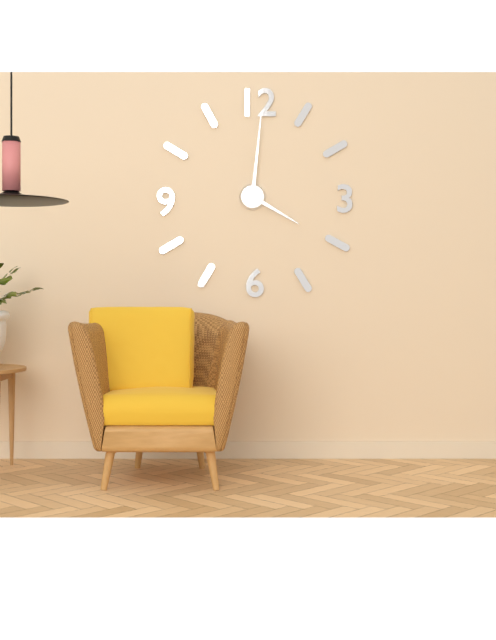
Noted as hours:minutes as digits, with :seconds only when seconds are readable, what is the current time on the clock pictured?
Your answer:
4:01
